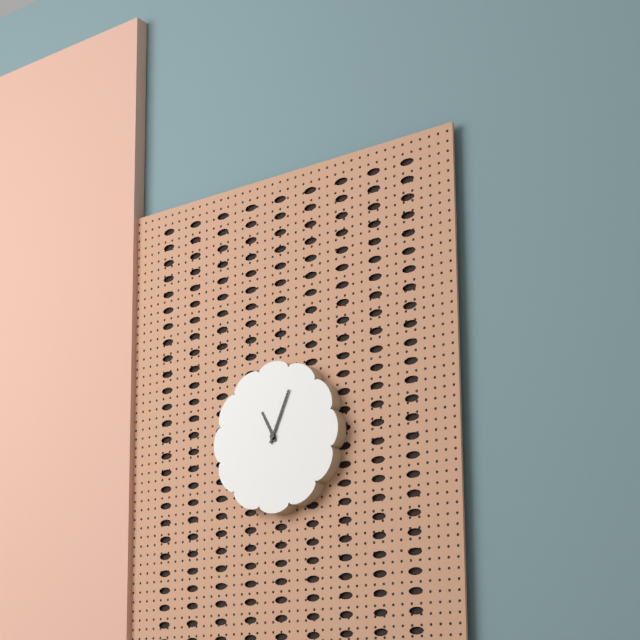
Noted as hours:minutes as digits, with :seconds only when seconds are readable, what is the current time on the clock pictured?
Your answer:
11:04
